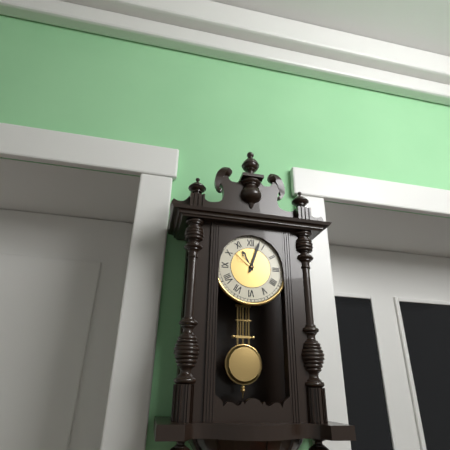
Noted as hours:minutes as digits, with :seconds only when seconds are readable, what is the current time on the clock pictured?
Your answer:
11:03
